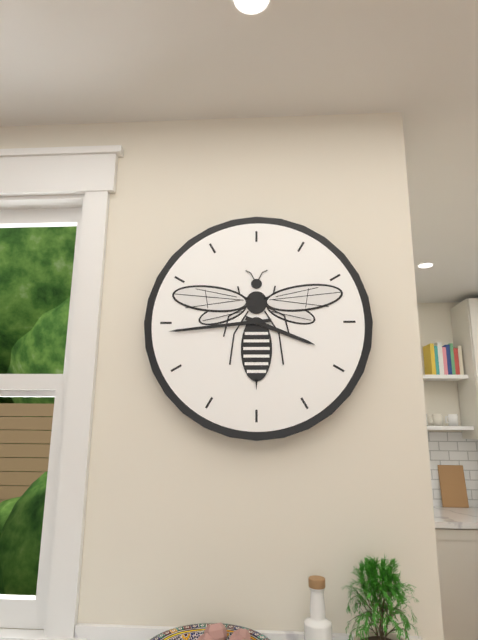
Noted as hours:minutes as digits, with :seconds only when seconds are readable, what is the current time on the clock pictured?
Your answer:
3:44
